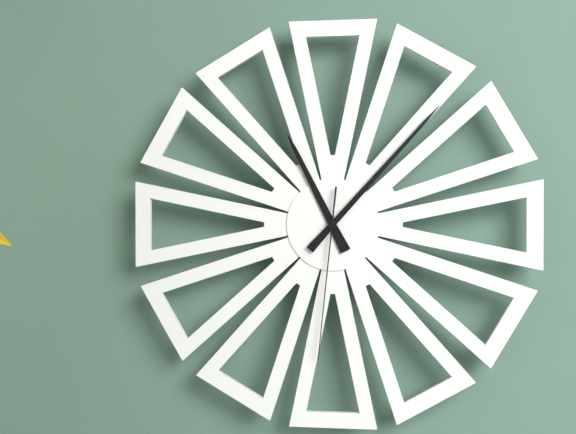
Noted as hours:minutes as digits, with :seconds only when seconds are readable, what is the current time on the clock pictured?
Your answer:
11:07:31
